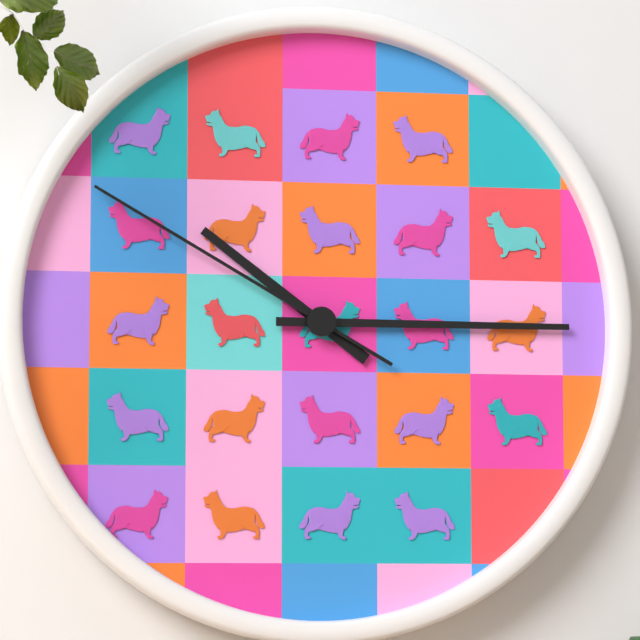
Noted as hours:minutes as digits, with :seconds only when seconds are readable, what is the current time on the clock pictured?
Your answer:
10:15:50
